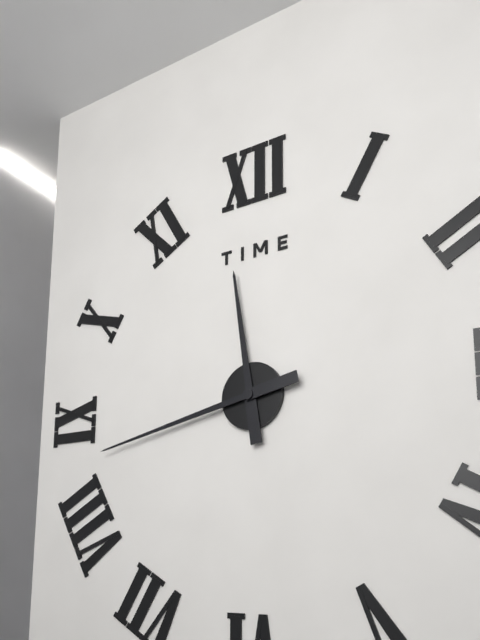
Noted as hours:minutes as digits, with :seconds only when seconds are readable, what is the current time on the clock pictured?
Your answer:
11:43
